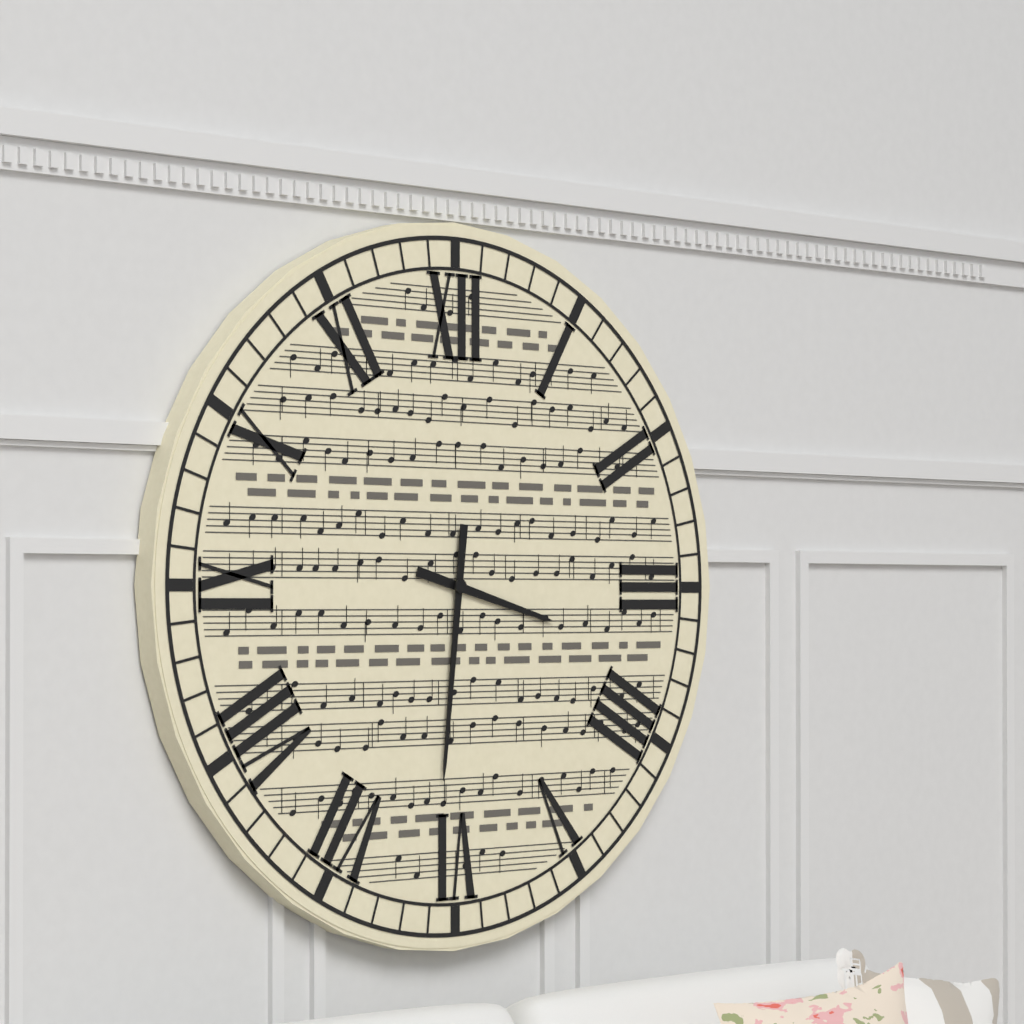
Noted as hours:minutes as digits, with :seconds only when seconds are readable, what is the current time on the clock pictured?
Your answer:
3:31
